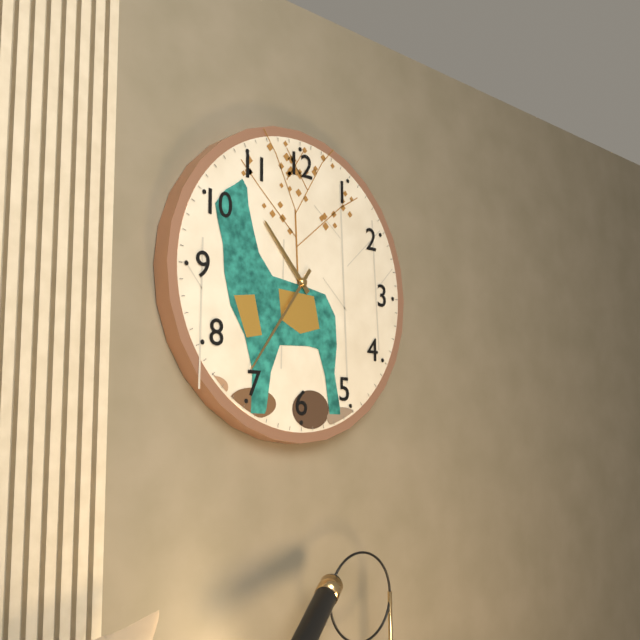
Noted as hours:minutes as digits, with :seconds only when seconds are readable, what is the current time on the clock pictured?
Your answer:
10:36
